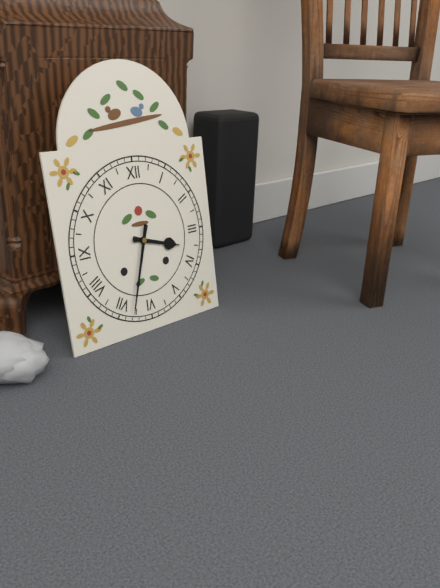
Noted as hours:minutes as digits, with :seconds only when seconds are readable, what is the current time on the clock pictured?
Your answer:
3:33
